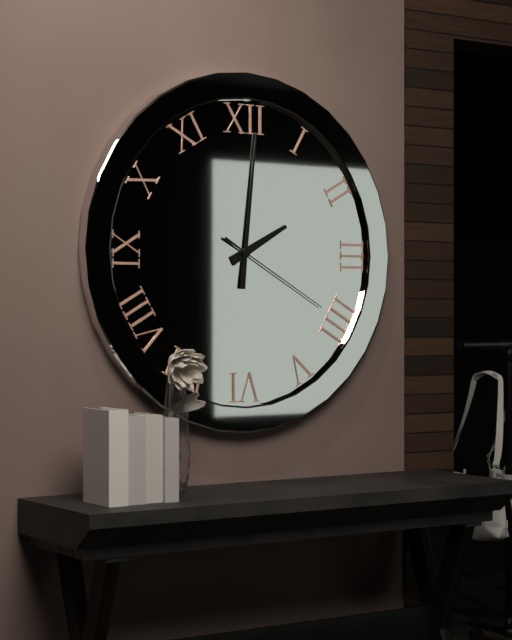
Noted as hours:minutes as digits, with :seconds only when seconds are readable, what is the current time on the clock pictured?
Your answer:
2:01:20
